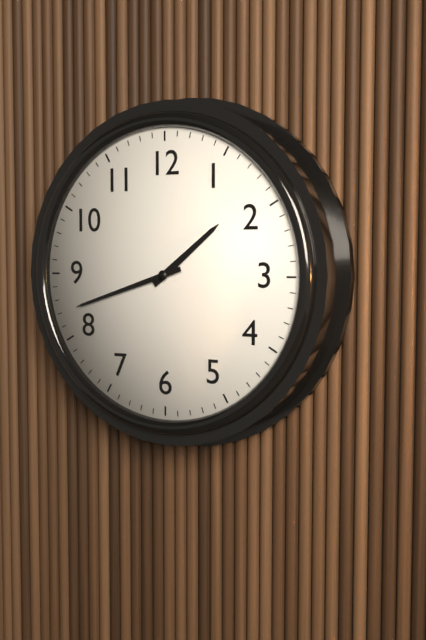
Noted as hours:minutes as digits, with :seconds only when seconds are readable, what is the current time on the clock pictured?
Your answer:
1:42
